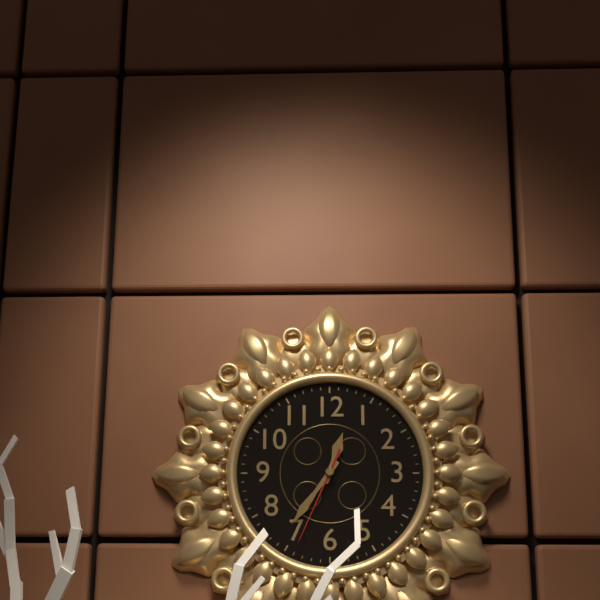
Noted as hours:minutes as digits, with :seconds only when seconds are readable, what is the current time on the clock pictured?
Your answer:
12:36:34
